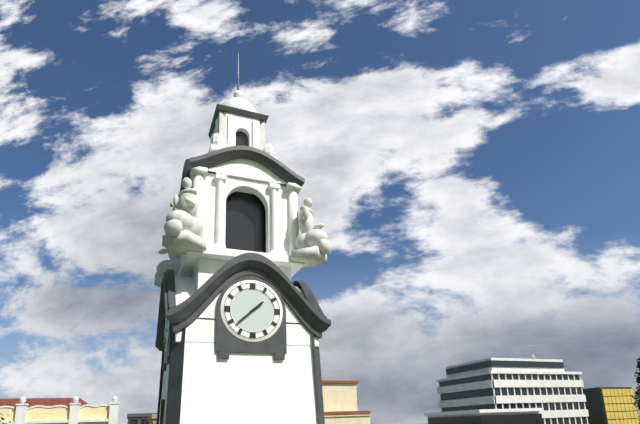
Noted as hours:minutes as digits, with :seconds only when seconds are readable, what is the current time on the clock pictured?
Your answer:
1:38
